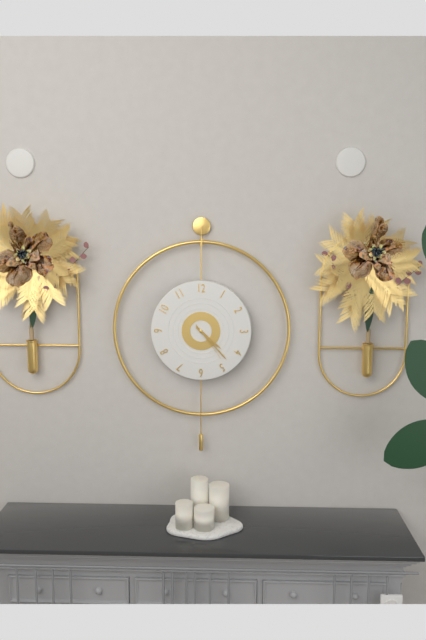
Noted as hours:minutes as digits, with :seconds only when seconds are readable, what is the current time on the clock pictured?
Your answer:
4:23
